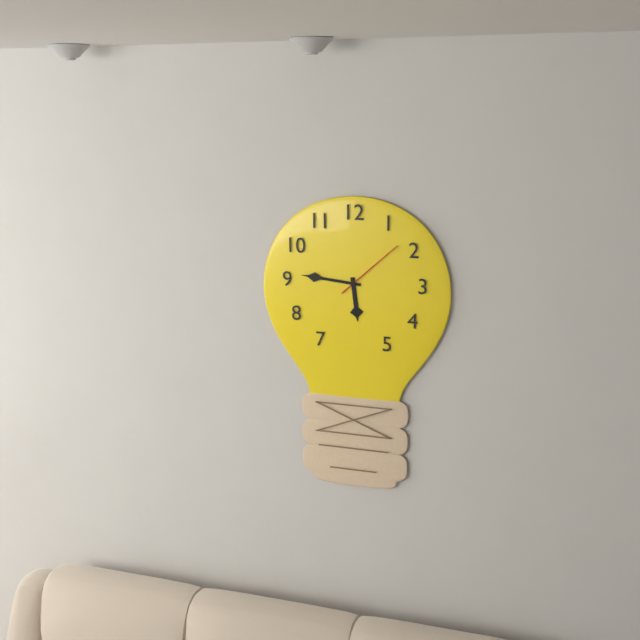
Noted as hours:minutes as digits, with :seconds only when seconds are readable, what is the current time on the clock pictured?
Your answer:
5:46:08
